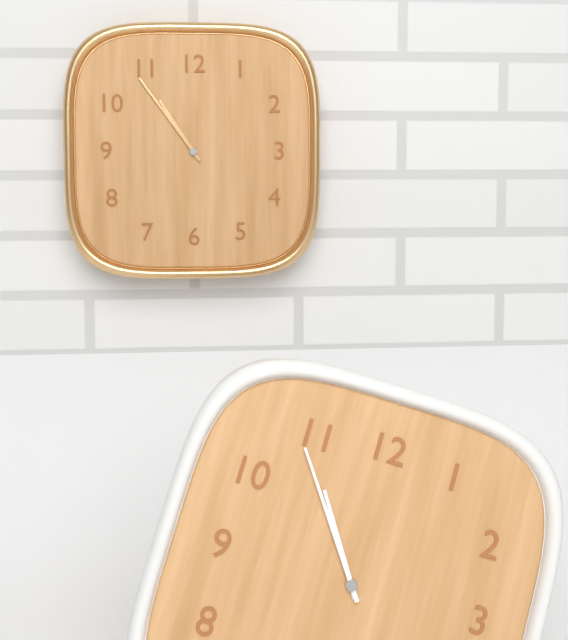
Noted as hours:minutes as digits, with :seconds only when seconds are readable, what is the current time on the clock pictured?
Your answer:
10:54
